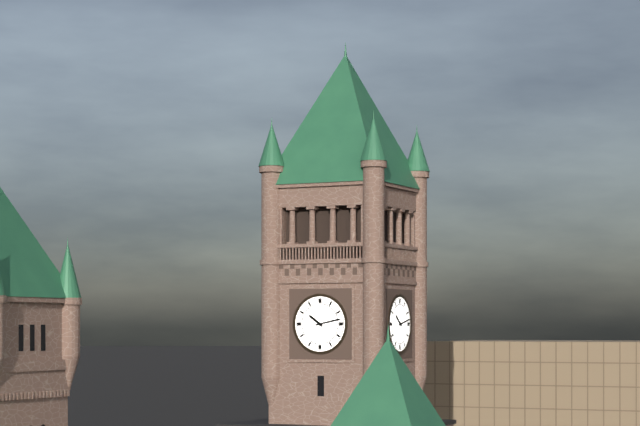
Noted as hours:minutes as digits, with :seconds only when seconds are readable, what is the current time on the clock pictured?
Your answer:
10:13
